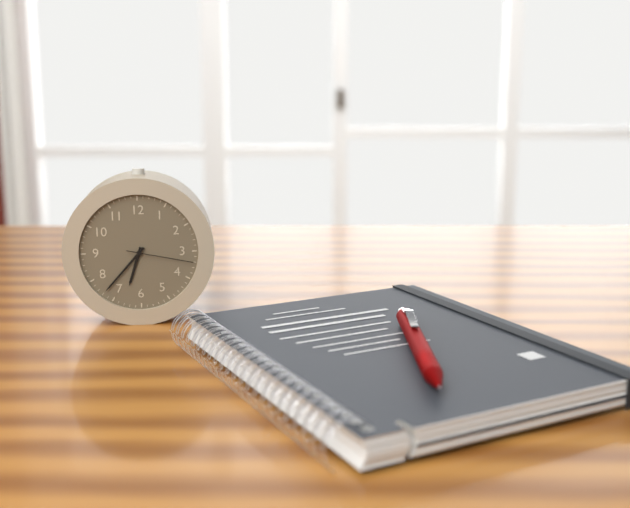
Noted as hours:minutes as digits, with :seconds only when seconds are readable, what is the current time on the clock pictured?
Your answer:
6:37:17
